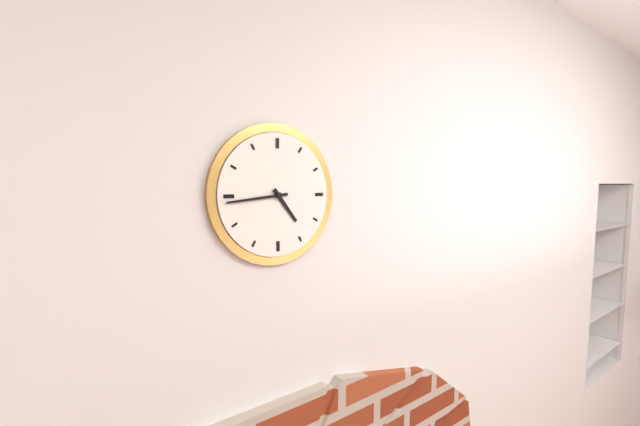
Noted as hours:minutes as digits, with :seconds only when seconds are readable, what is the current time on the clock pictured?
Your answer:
4:44
